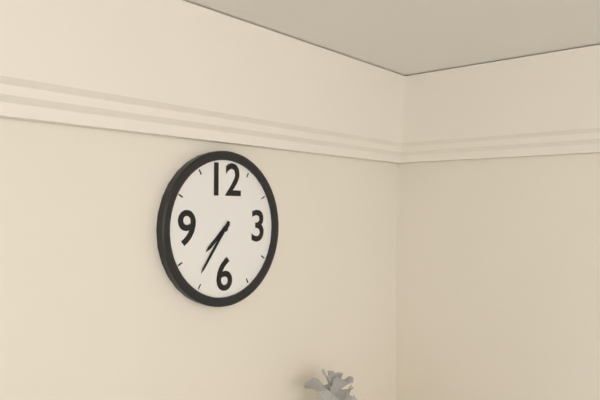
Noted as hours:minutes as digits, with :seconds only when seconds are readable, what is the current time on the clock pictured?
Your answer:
7:36
